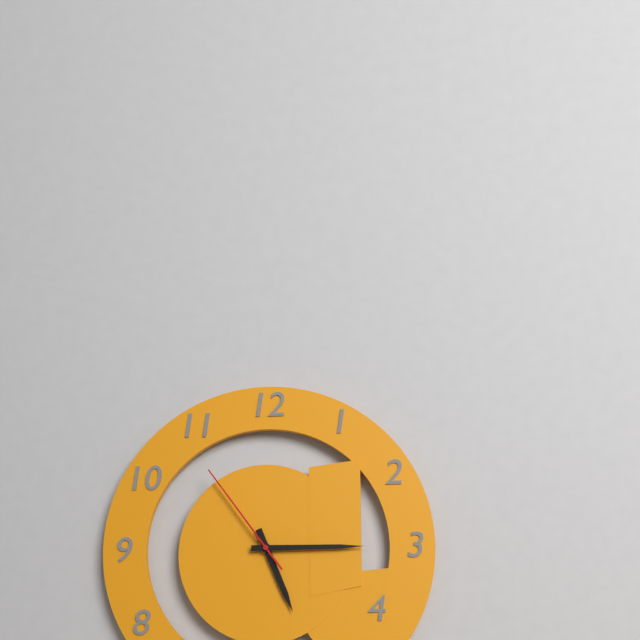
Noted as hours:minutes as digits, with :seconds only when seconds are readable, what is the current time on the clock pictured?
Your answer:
5:15:54
